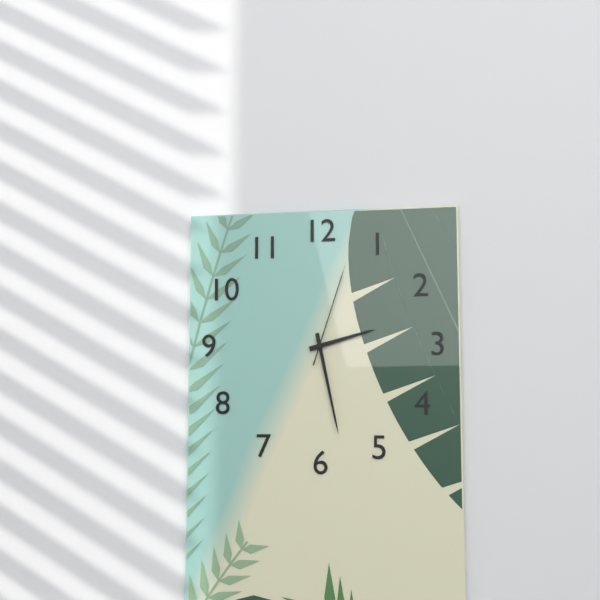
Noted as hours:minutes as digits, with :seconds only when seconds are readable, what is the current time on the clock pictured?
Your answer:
2:28:03
